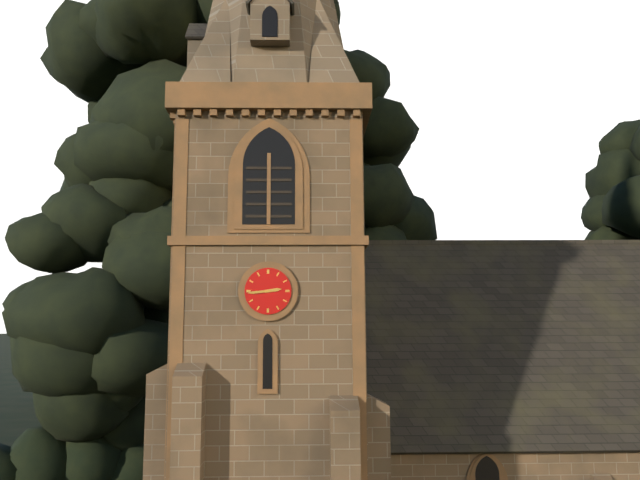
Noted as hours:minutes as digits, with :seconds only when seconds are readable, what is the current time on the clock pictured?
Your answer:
2:44
